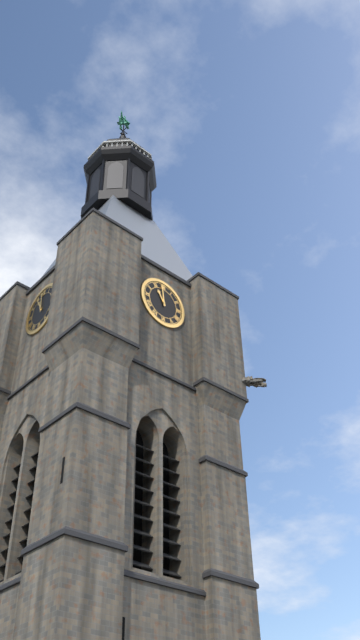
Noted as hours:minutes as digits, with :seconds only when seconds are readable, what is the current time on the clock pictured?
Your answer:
10:59
